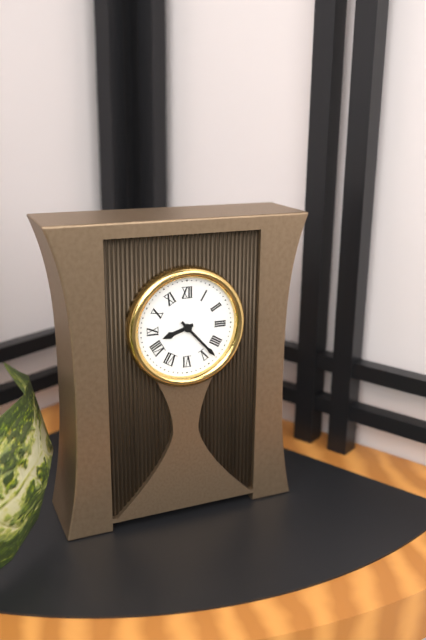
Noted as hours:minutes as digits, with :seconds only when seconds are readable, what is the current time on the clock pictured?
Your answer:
8:23
